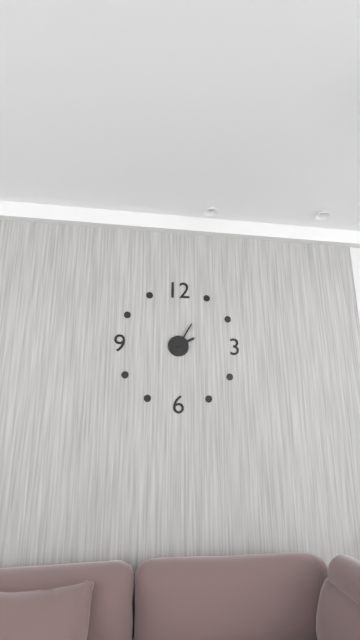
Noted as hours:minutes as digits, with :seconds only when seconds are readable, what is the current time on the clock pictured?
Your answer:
2:05
